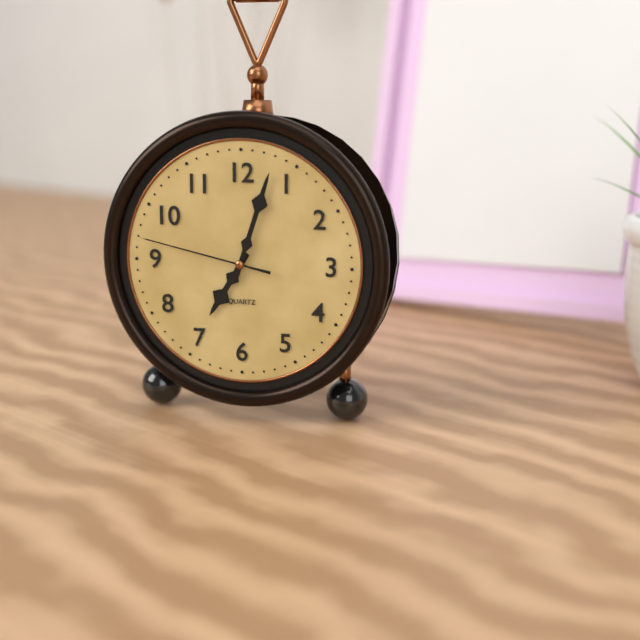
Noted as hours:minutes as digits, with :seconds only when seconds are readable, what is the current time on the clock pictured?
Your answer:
7:03:47
